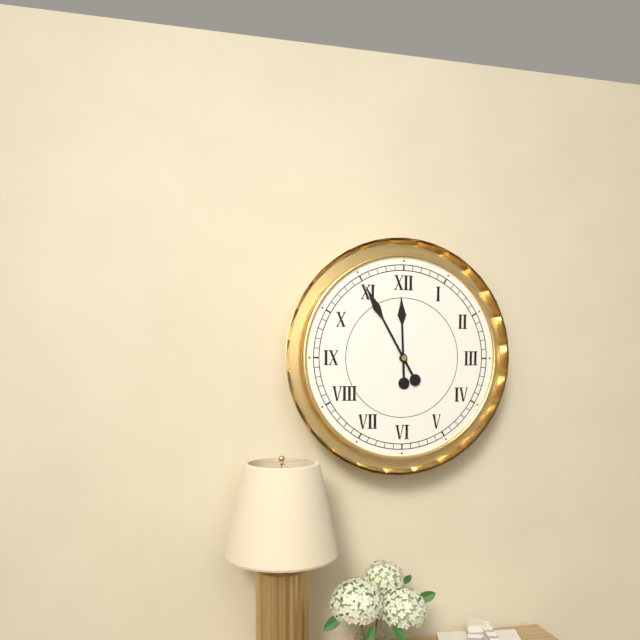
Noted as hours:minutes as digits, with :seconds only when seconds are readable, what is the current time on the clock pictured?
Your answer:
11:55
